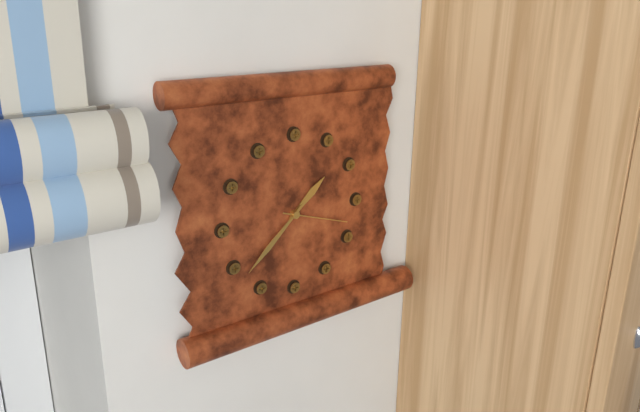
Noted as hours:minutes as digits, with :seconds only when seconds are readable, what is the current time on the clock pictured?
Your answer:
1:38:18
